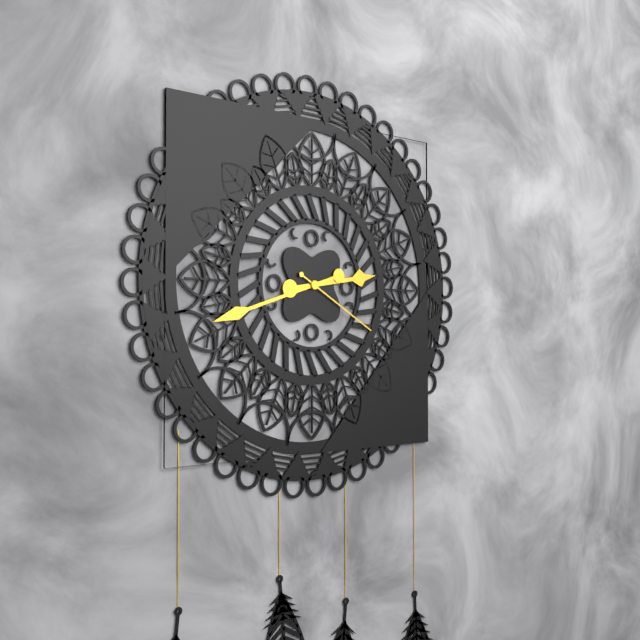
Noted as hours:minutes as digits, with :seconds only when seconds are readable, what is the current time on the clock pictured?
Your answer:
2:42:20
